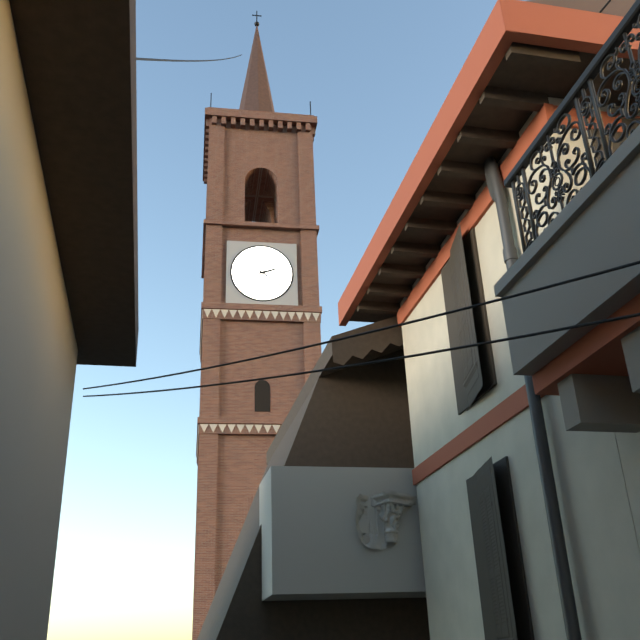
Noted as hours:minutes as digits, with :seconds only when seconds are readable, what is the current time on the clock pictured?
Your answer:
2:21
